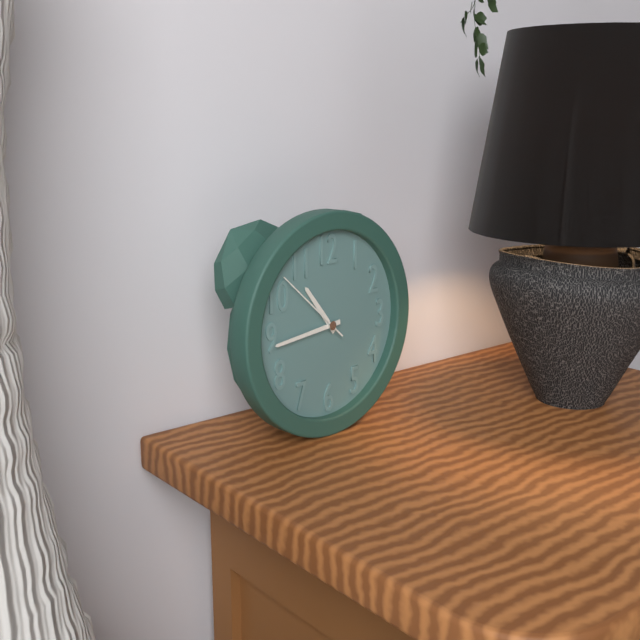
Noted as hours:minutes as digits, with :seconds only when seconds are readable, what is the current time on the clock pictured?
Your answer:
10:44:52
